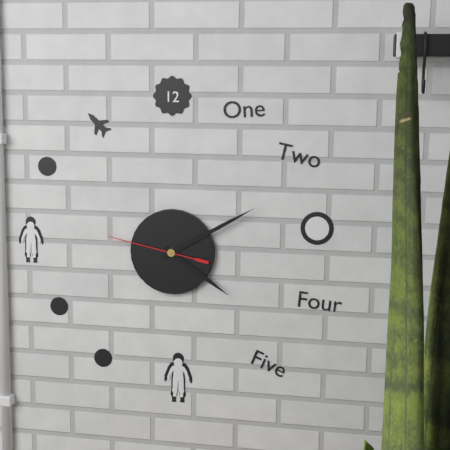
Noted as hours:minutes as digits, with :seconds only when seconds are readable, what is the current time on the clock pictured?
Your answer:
4:10:47
